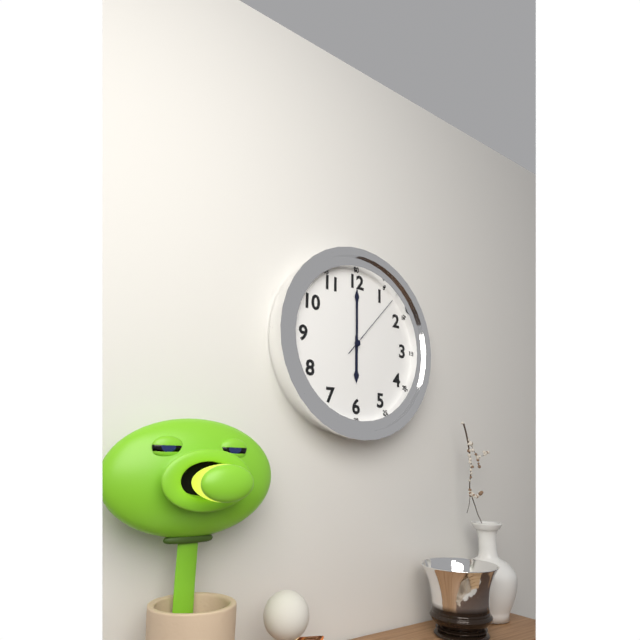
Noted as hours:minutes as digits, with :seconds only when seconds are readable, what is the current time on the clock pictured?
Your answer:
6:00:07
